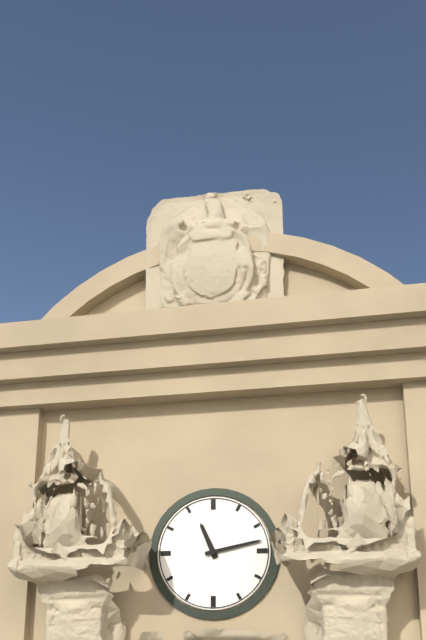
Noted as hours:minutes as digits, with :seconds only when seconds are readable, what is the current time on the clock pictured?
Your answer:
11:13
